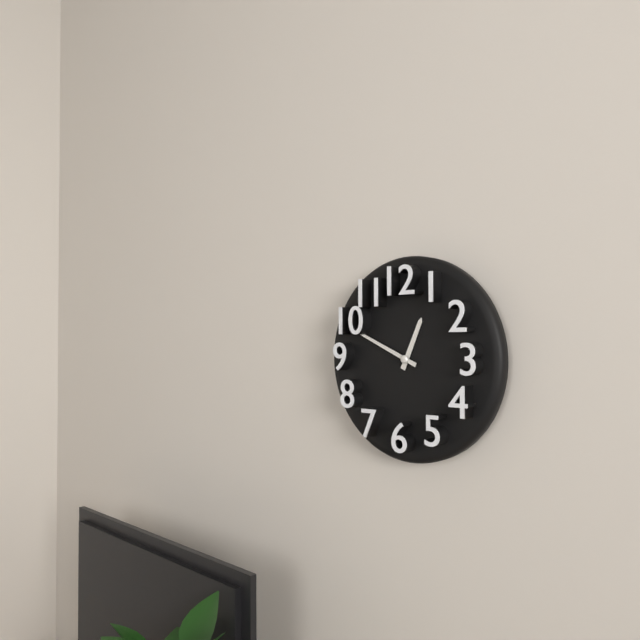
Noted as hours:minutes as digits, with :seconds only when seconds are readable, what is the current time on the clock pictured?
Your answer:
12:49
